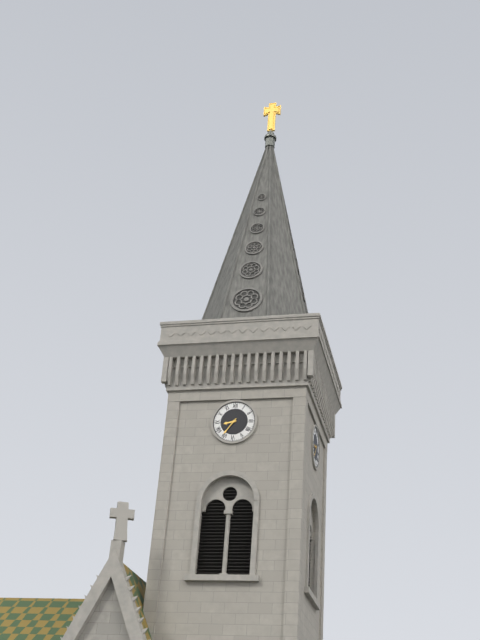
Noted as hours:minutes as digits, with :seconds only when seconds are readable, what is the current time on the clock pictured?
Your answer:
8:36
